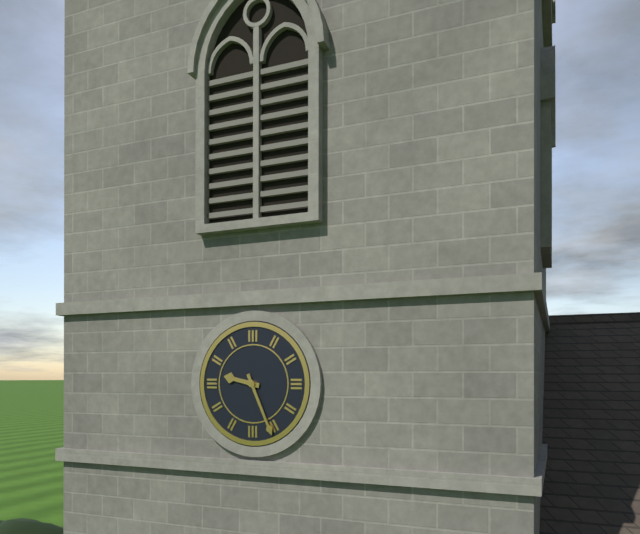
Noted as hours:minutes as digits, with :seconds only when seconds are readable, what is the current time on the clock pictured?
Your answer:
9:26
